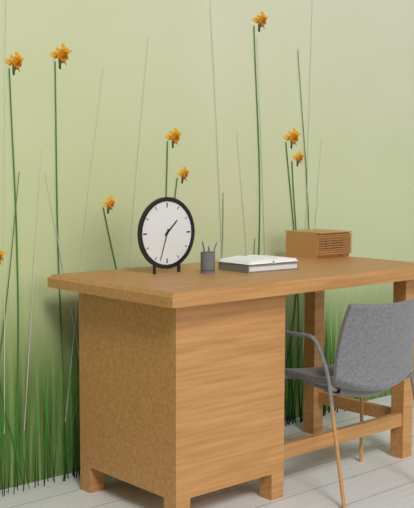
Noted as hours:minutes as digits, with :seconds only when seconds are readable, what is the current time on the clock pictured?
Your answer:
1:33
